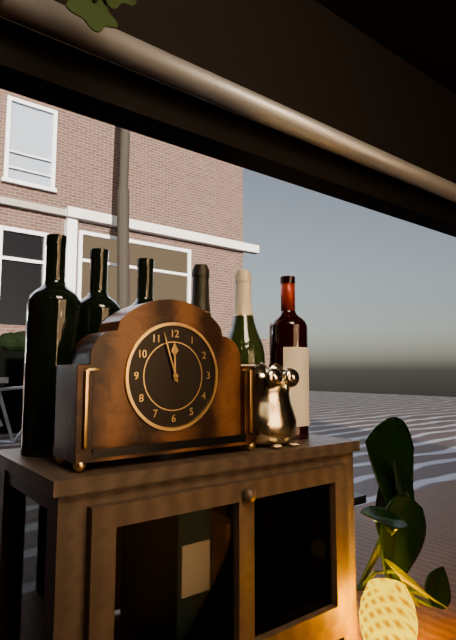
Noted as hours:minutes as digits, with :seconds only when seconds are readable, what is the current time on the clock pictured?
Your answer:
11:57
